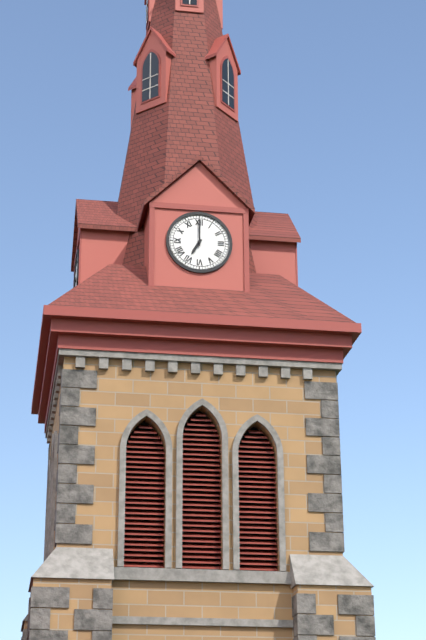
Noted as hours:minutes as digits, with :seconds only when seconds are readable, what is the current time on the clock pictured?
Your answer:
7:00
